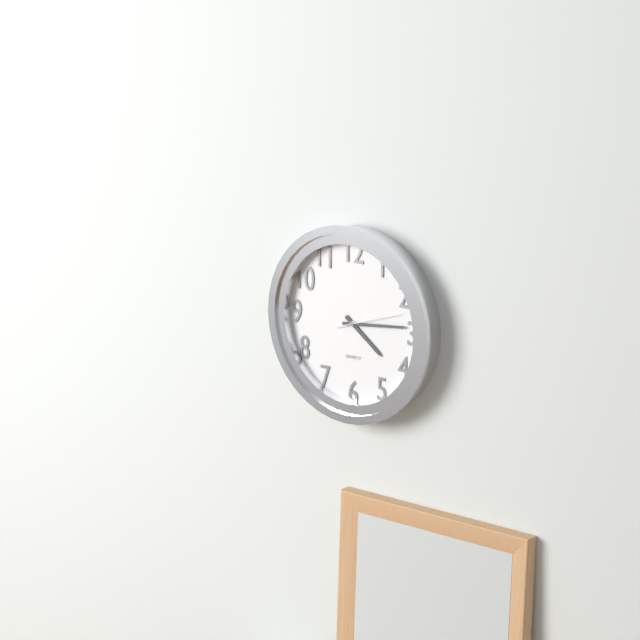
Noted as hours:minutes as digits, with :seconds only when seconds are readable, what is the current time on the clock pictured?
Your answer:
4:14:12
